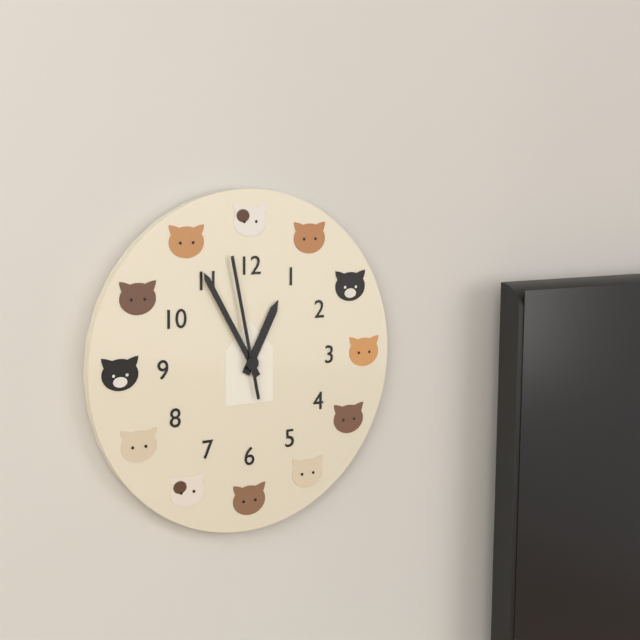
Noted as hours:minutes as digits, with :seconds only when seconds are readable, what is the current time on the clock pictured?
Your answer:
12:55:58
